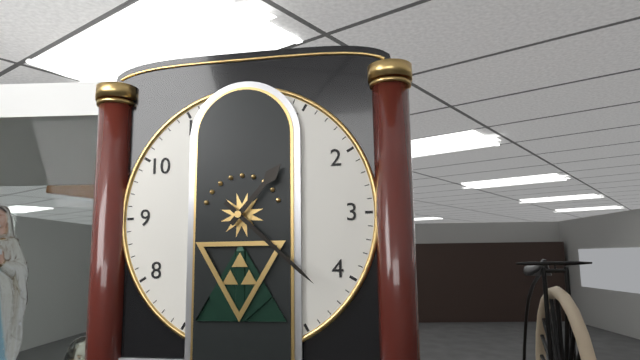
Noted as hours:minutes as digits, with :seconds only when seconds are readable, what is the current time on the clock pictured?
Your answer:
1:22
